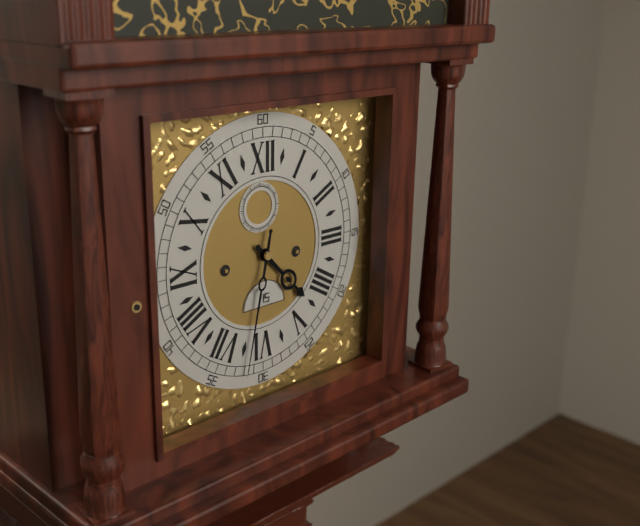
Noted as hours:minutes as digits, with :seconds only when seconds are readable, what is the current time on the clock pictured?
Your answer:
4:32
